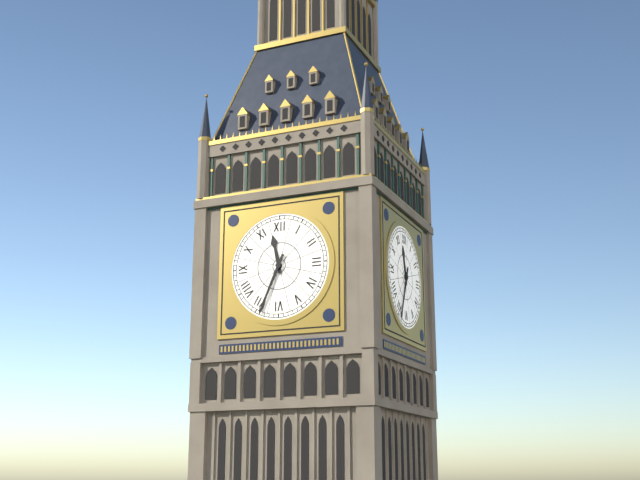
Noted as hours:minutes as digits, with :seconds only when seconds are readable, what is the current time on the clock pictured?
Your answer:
11:34
